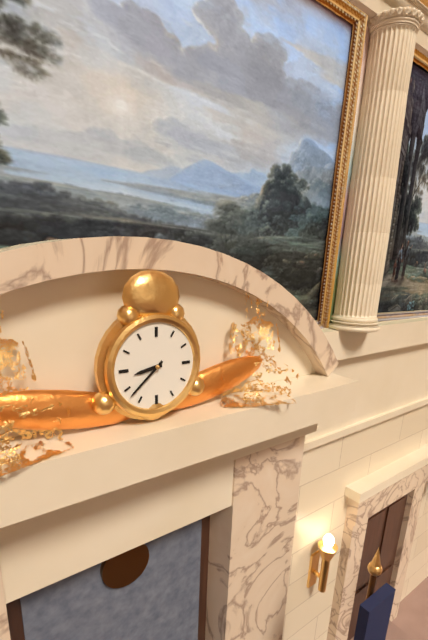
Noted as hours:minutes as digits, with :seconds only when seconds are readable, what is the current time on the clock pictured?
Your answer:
8:38
